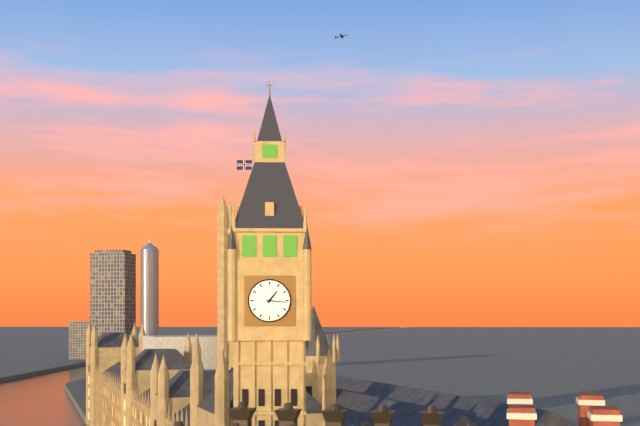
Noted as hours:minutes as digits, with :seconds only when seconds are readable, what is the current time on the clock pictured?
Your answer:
1:16
